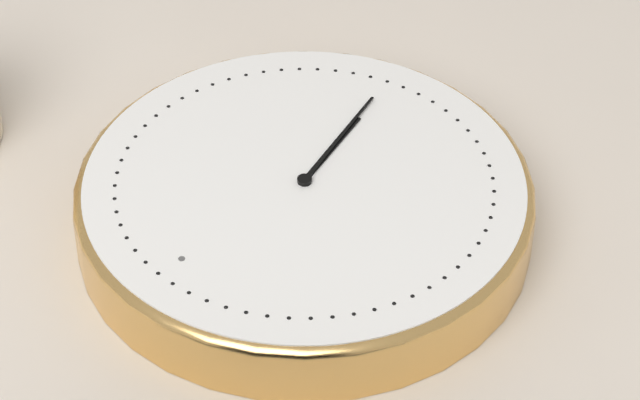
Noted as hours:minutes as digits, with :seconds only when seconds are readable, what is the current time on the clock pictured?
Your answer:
5:27
